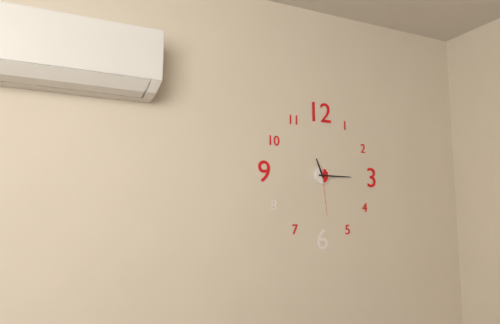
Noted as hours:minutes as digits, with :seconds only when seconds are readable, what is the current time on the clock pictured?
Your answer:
11:15:29
